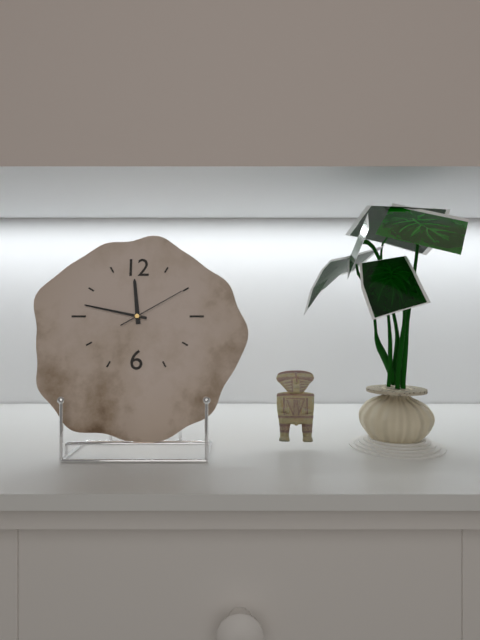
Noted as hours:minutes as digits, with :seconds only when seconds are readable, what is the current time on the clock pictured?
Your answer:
11:47:10
